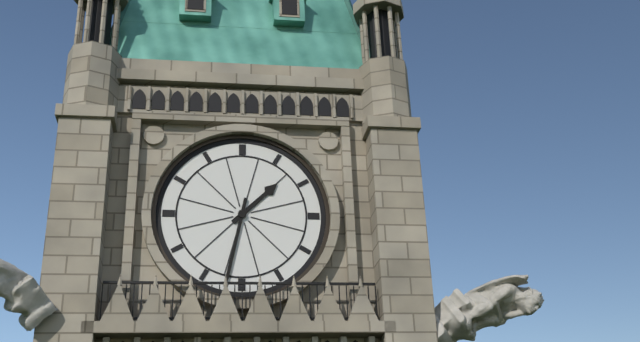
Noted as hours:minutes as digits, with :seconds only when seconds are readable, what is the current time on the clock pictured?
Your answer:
1:32
